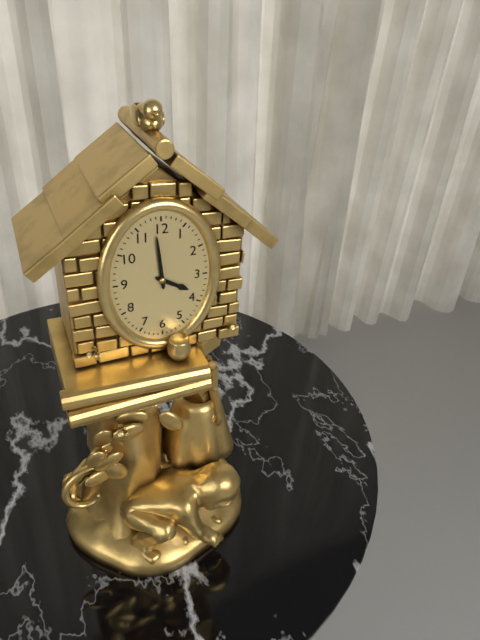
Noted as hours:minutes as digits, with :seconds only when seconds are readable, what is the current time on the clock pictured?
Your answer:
3:59
